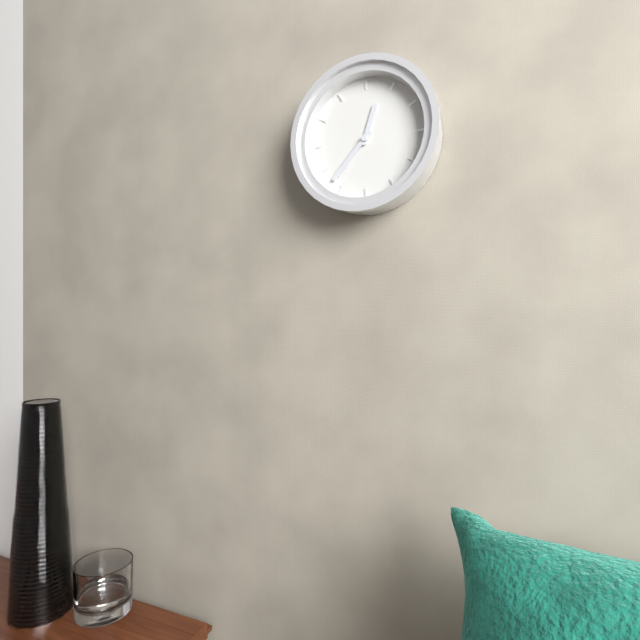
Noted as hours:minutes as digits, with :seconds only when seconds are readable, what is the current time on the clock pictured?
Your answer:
12:37
